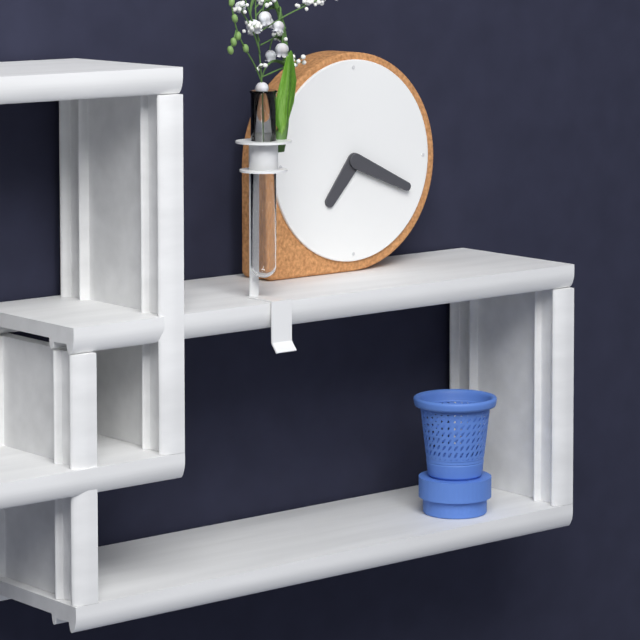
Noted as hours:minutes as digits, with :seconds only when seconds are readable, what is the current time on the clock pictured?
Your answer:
7:19
